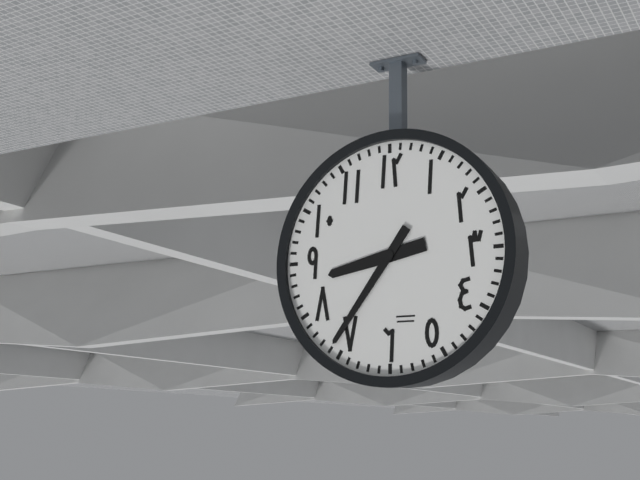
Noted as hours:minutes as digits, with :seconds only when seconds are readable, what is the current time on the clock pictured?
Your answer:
8:36
